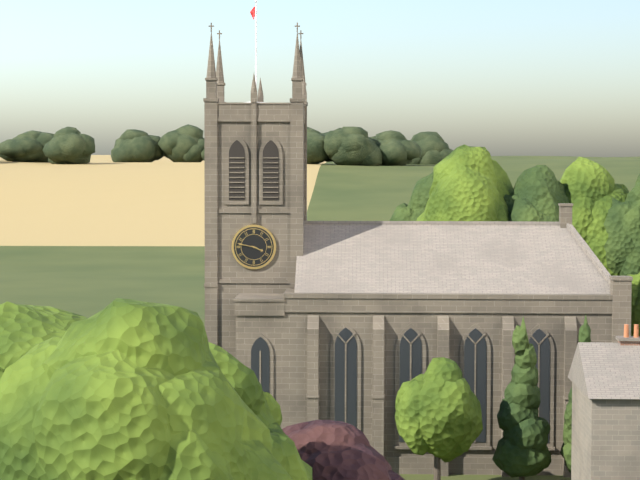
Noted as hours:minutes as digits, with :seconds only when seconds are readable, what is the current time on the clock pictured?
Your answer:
3:47
